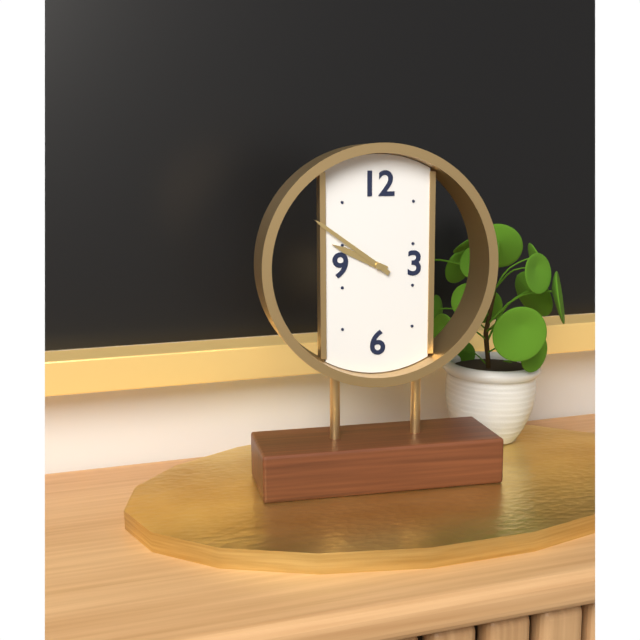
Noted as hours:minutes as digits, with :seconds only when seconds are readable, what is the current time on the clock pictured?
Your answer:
9:51
